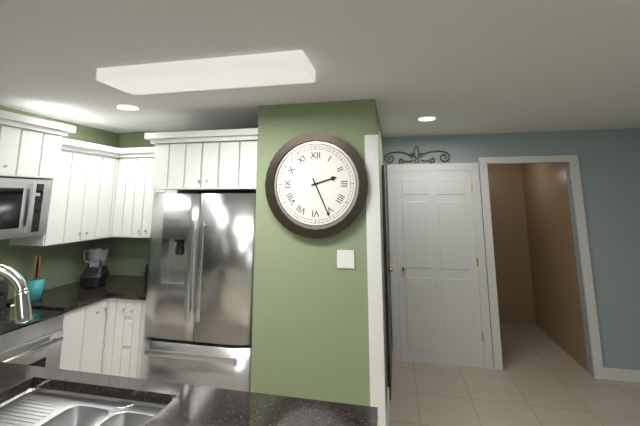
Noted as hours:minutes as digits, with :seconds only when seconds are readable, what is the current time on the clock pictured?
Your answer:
2:26
